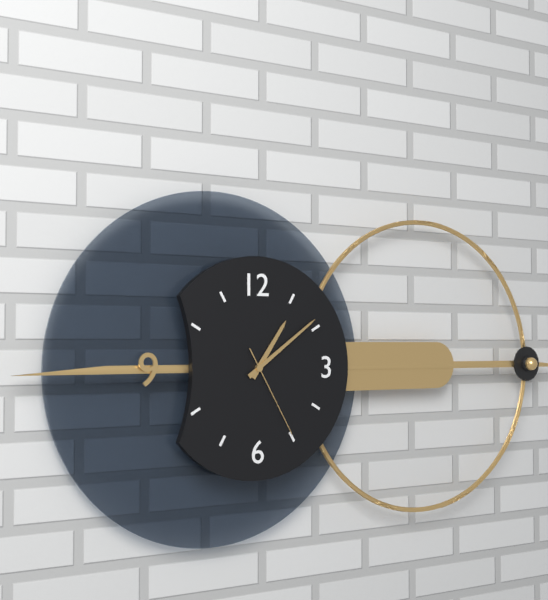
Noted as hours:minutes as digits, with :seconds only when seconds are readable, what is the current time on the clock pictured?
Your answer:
1:09:25
